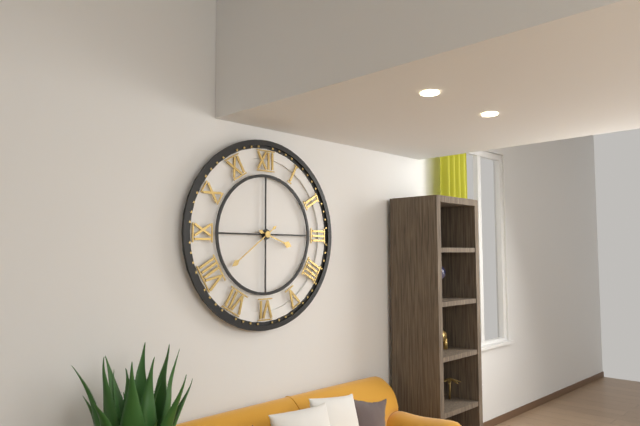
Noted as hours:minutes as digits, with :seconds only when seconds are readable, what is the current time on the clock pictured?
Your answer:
3:39
